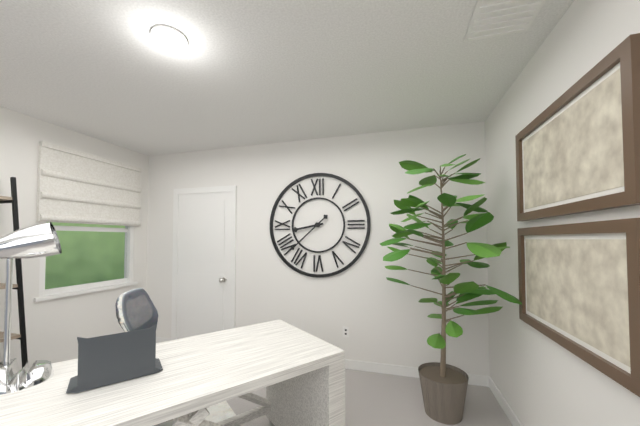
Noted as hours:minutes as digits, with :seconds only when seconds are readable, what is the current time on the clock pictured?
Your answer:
8:38
